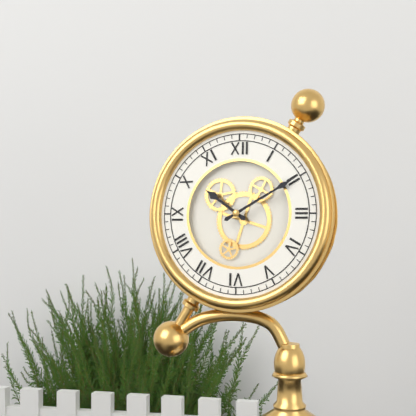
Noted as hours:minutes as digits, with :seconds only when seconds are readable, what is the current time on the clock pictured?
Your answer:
10:10
